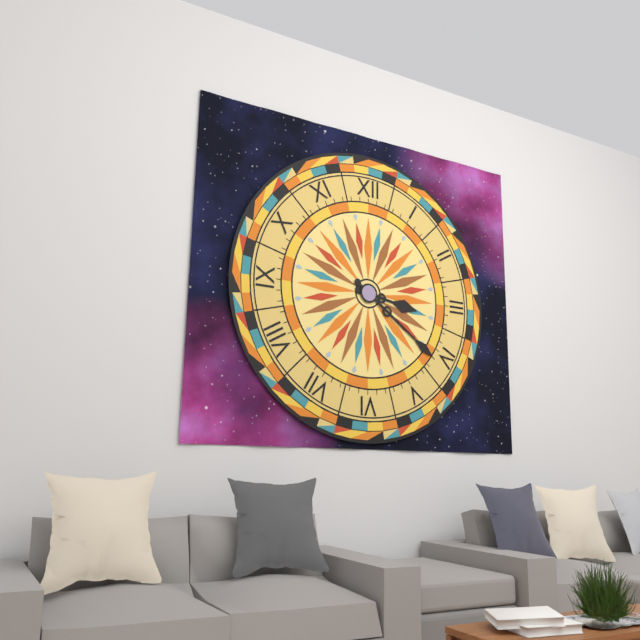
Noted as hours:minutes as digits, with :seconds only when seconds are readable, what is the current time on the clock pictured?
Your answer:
3:21
